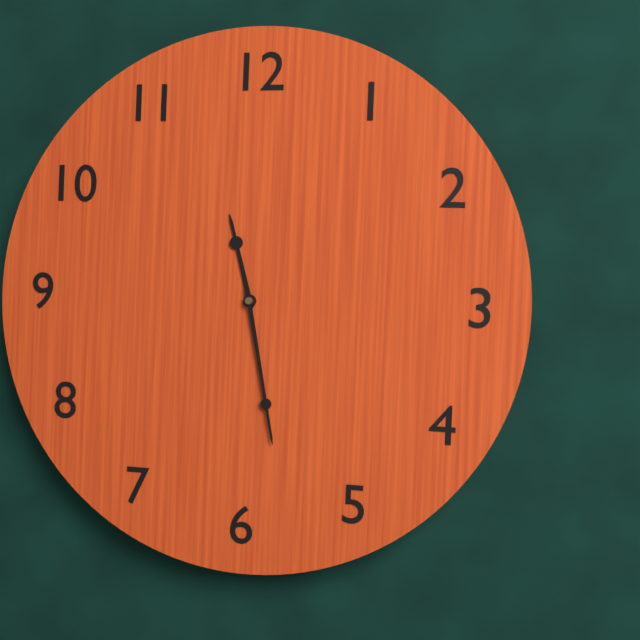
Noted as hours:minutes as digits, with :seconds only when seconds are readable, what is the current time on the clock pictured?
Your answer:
11:28
